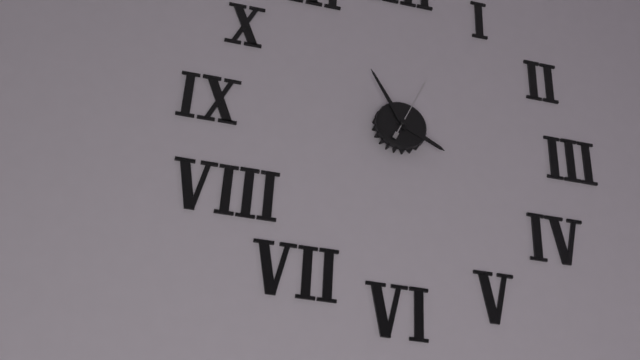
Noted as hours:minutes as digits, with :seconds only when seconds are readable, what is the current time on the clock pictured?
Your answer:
3:55:04
